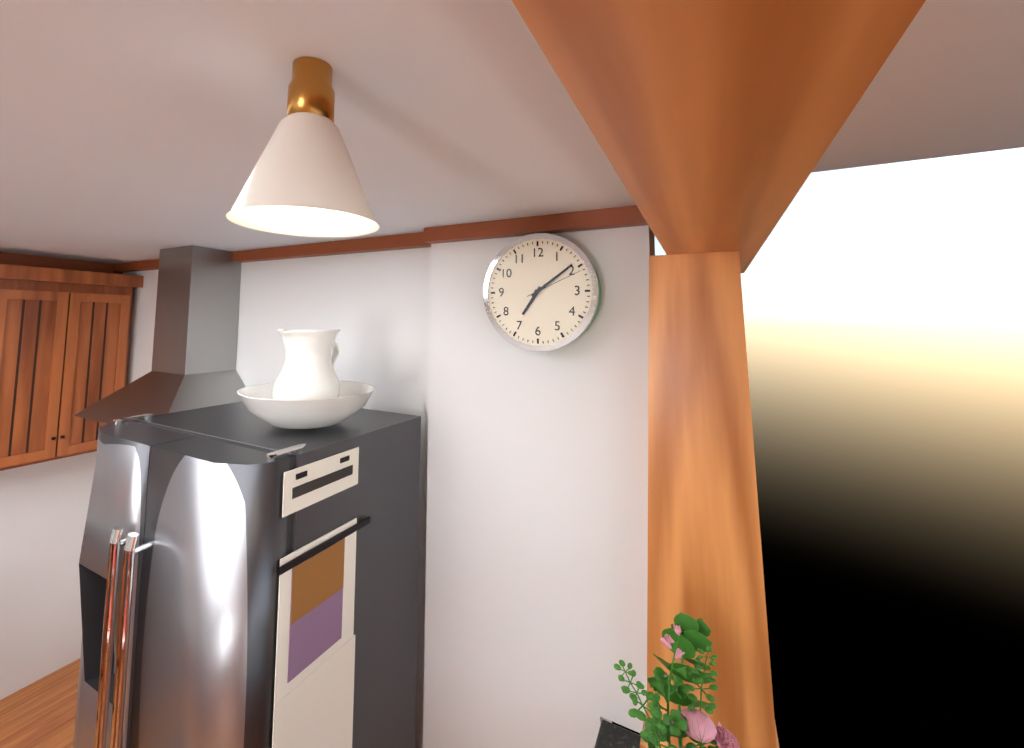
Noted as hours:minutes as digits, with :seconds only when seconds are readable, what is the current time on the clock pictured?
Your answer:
7:09:11
